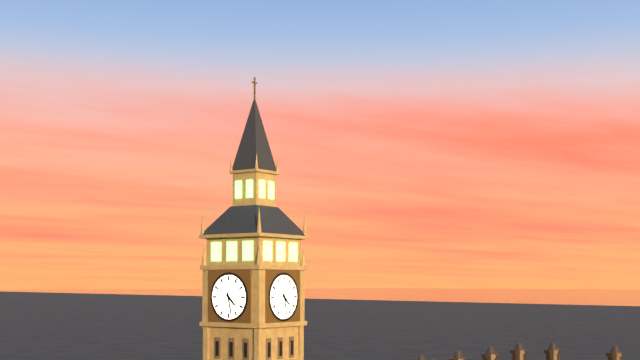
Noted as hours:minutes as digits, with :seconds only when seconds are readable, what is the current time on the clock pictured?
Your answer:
4:28
